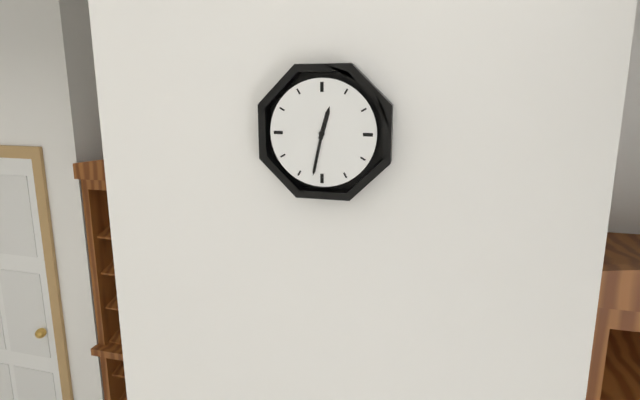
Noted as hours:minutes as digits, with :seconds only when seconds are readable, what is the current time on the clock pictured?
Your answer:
12:32
